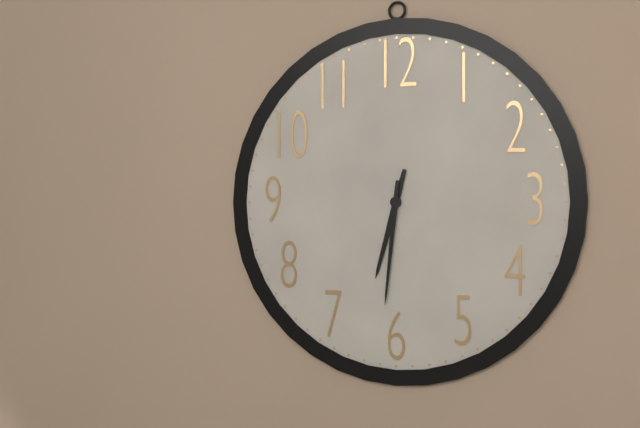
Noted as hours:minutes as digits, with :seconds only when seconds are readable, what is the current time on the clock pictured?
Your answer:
6:31
